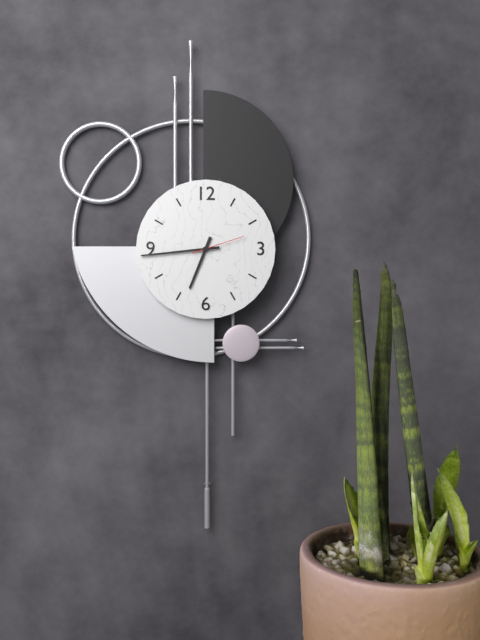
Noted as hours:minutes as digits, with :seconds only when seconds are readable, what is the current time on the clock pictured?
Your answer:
6:44:12
